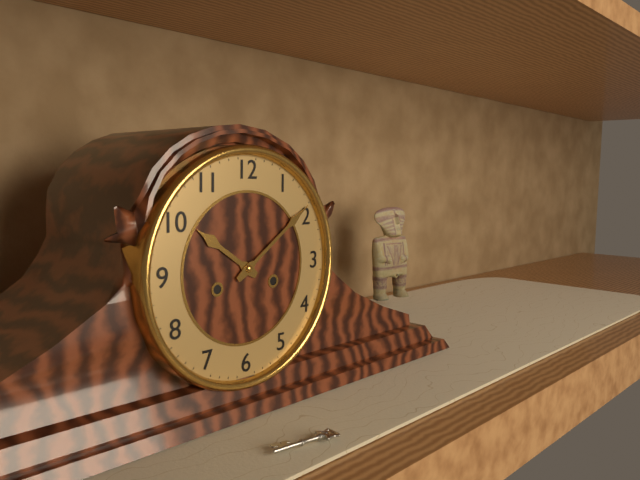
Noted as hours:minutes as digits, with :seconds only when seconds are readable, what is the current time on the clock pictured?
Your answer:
10:09
